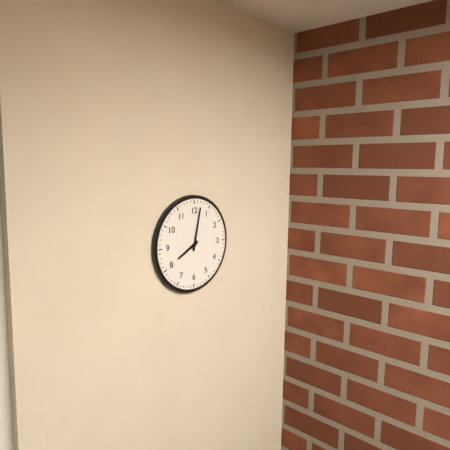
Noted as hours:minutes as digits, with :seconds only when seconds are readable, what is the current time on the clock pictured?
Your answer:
8:02
